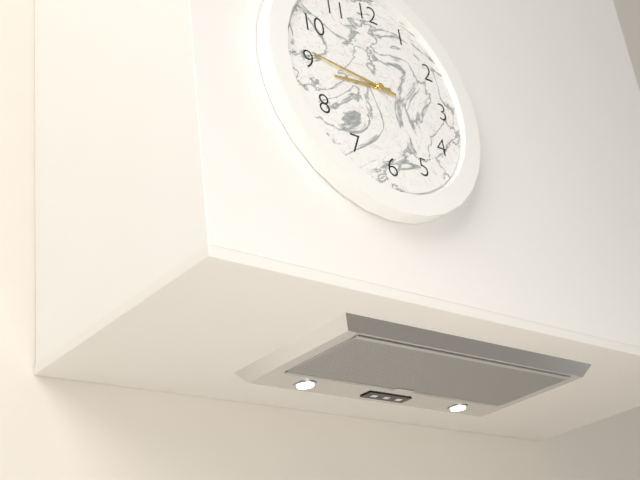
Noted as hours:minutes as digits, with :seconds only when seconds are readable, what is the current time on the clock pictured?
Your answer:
8:46
